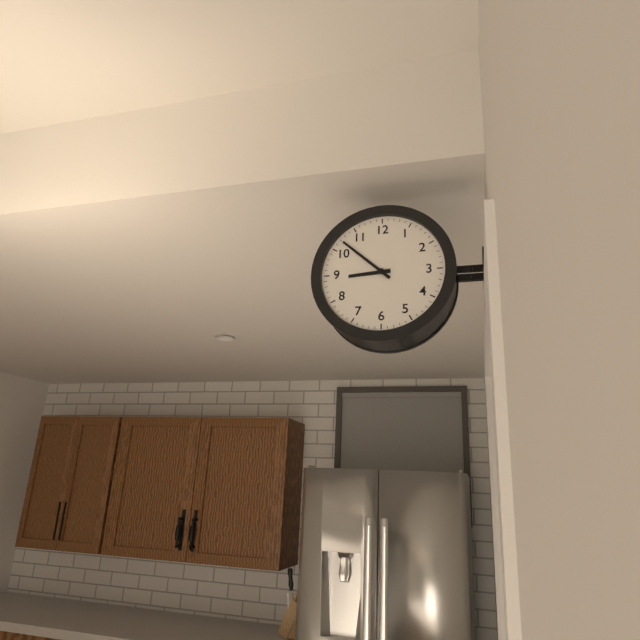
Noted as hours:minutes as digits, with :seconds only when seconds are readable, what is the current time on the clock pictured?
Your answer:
8:52
